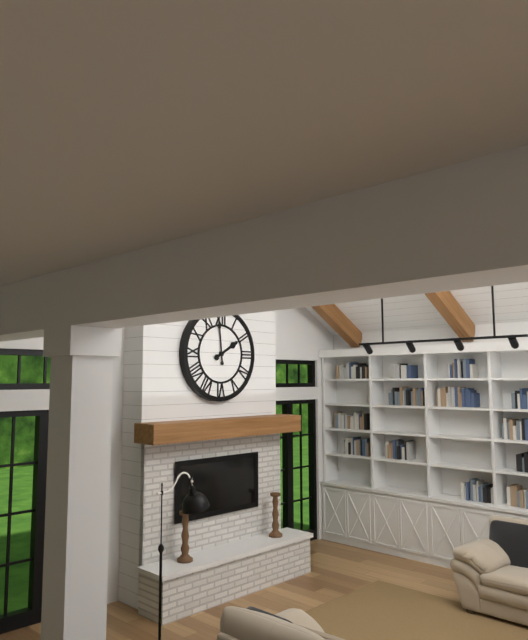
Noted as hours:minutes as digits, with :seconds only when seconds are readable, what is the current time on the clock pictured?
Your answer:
1:59
